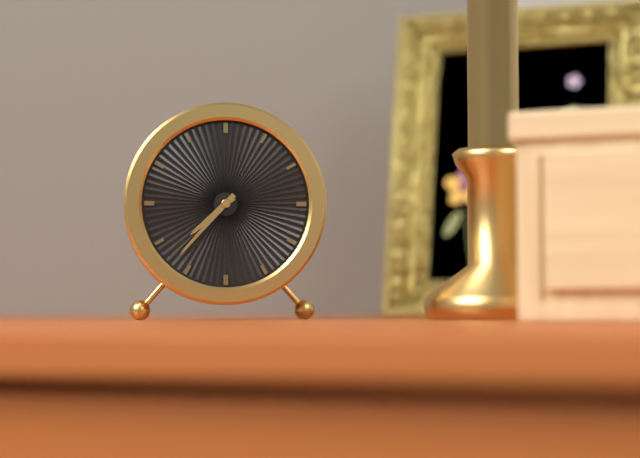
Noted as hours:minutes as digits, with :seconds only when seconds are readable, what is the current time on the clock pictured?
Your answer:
7:37
